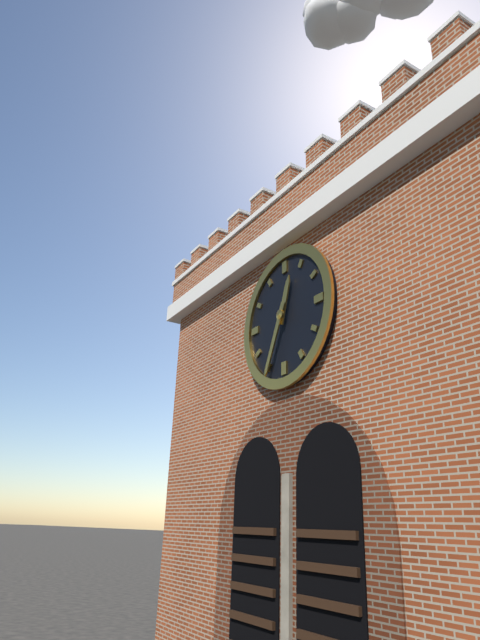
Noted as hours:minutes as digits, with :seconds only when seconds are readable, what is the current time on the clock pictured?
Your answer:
12:34
